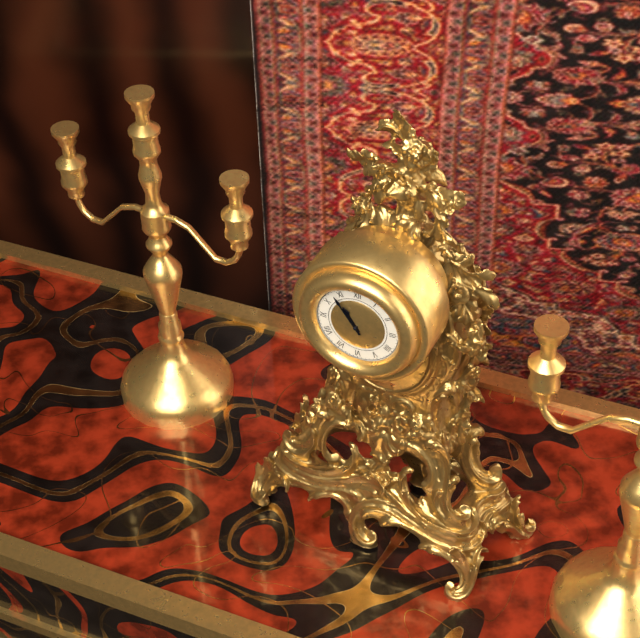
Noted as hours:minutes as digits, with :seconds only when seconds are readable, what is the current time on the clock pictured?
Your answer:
10:54
